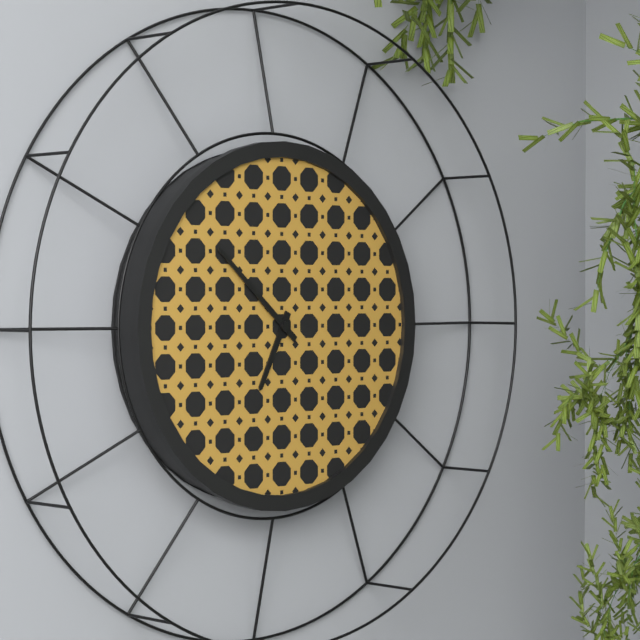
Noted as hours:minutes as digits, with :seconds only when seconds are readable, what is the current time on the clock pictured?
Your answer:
6:52
